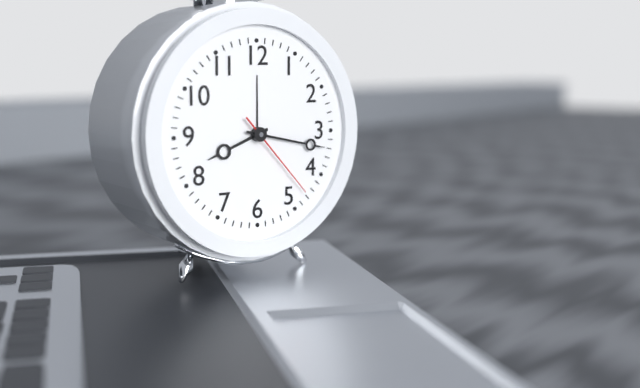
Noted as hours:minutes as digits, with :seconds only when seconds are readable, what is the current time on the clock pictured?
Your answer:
8:17:23
